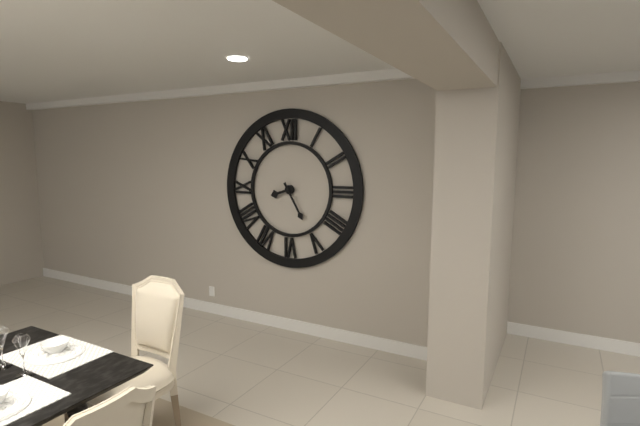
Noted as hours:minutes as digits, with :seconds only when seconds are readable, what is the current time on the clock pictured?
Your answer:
8:25
